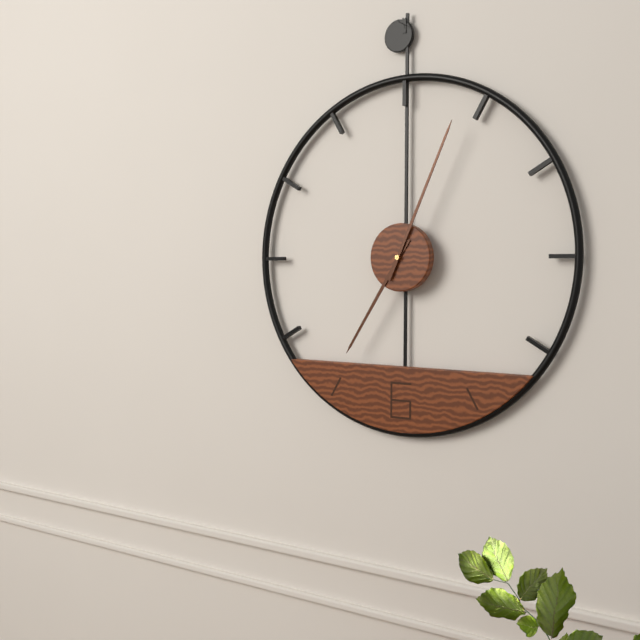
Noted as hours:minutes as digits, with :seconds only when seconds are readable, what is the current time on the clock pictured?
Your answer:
7:04
